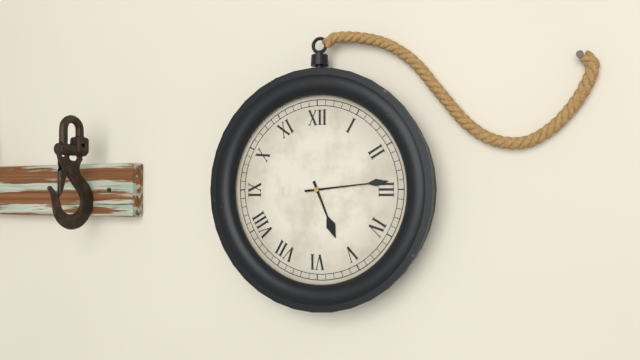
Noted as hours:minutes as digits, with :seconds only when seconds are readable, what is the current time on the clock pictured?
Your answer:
5:14
